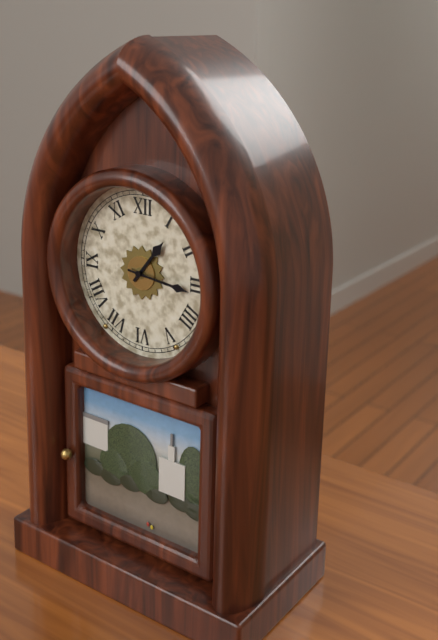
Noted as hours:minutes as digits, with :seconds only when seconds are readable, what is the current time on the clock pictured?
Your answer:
1:16
